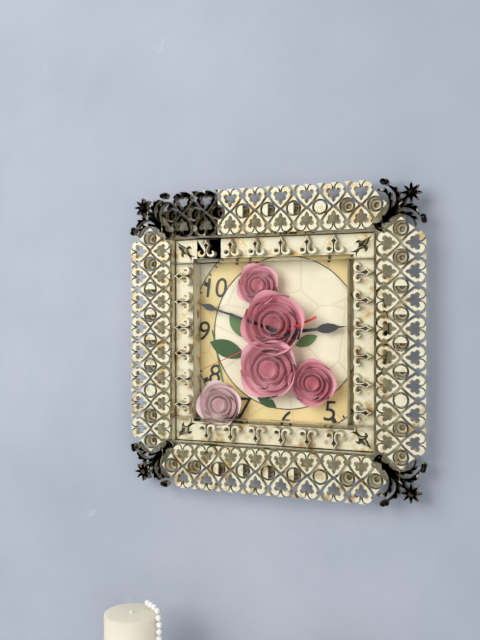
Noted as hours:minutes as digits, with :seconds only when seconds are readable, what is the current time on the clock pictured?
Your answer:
2:48:41
